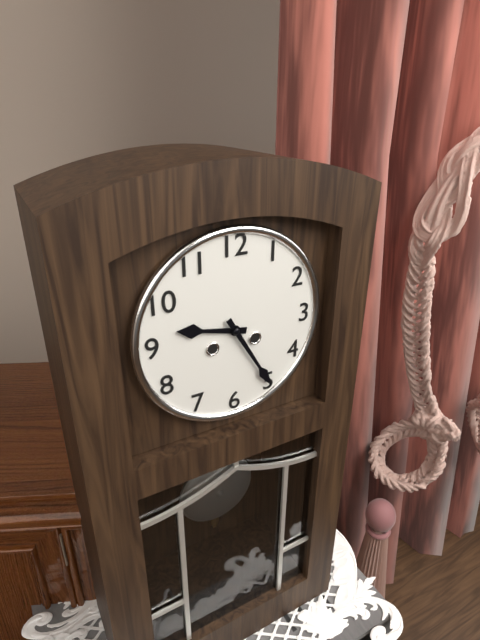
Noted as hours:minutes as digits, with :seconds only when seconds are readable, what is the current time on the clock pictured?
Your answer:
9:25
